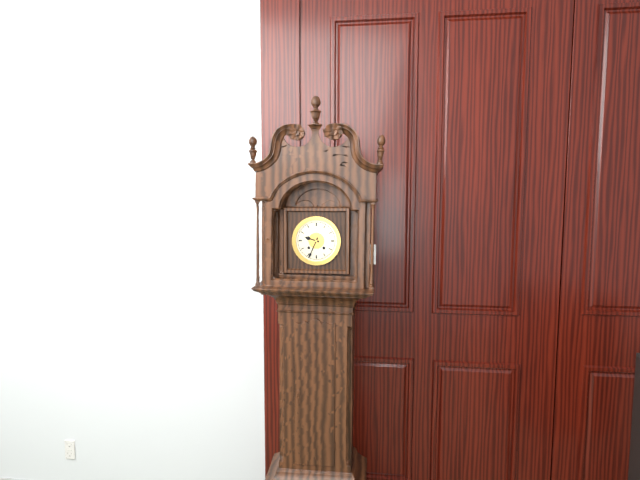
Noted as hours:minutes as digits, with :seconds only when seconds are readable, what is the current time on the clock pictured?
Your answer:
9:34
